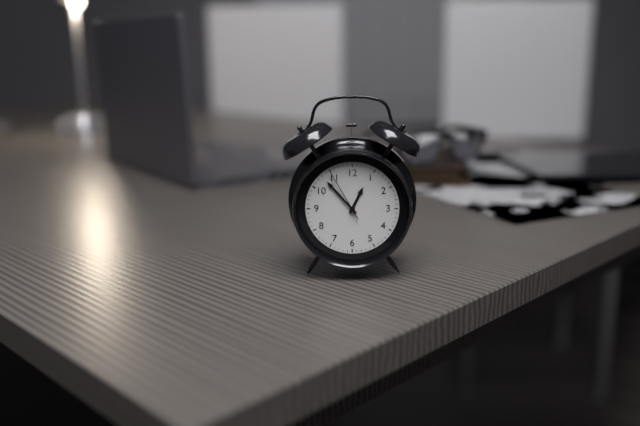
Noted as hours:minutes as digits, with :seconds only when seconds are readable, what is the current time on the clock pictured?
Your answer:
12:53:55
